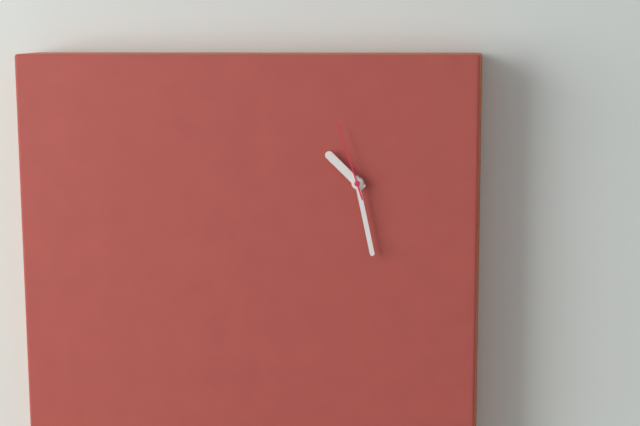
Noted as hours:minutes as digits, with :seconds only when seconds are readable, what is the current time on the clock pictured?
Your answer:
10:28:57
